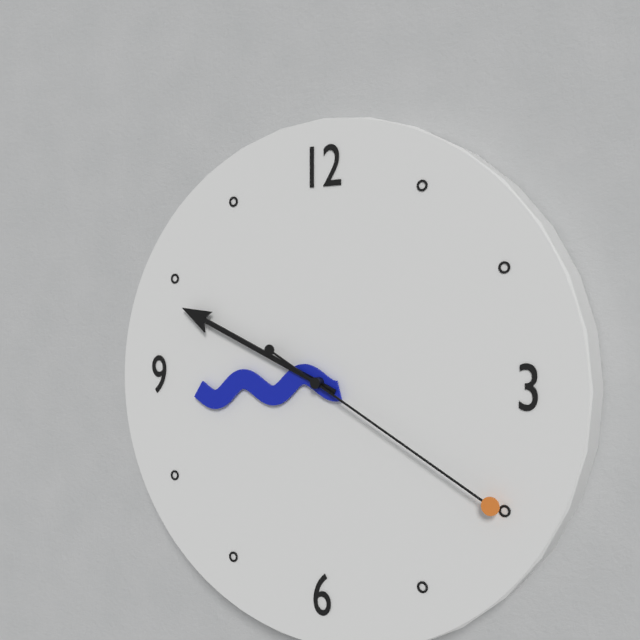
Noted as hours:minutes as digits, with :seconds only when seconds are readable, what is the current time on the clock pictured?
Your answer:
8:49:20
